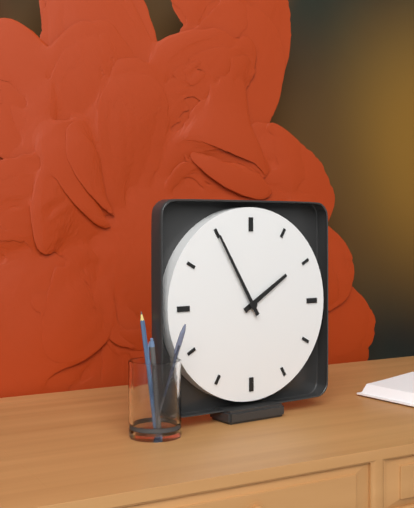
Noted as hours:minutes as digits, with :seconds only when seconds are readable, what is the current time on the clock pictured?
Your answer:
1:55
